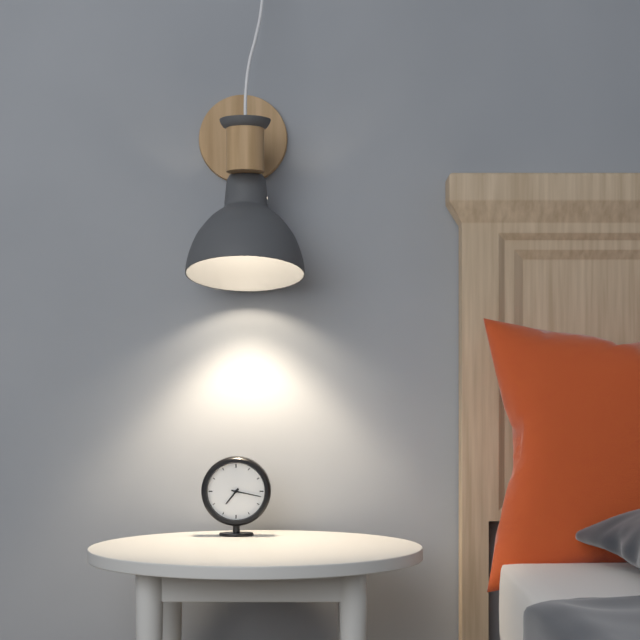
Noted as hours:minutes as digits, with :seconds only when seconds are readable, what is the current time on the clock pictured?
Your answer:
7:17
